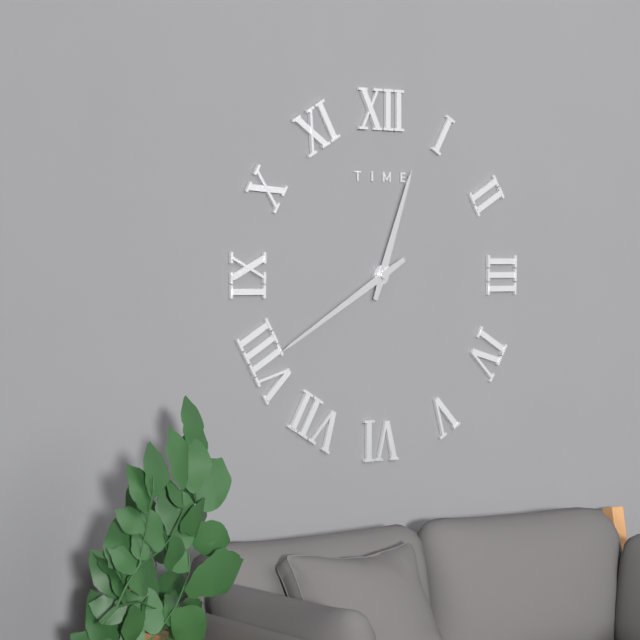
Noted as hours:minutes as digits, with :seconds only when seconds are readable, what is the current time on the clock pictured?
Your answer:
12:40
